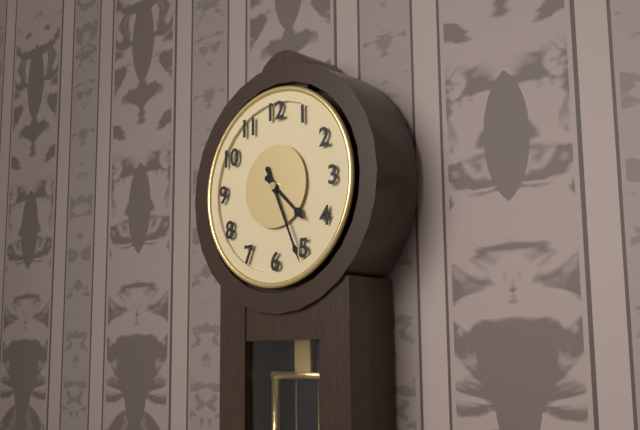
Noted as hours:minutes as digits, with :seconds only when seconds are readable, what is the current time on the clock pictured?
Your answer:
4:26
